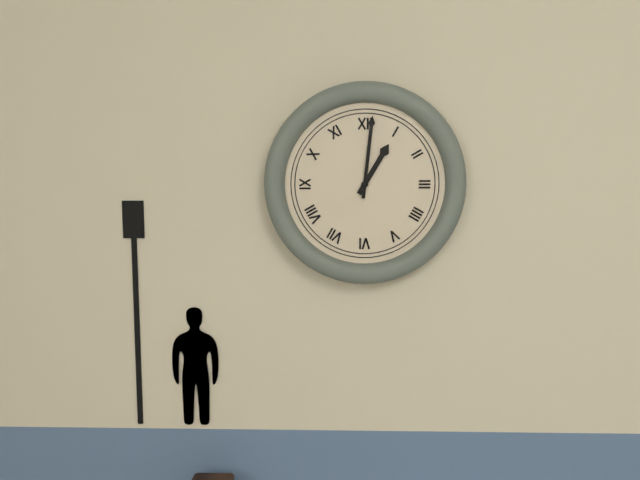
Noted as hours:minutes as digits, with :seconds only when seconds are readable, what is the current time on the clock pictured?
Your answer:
1:01
